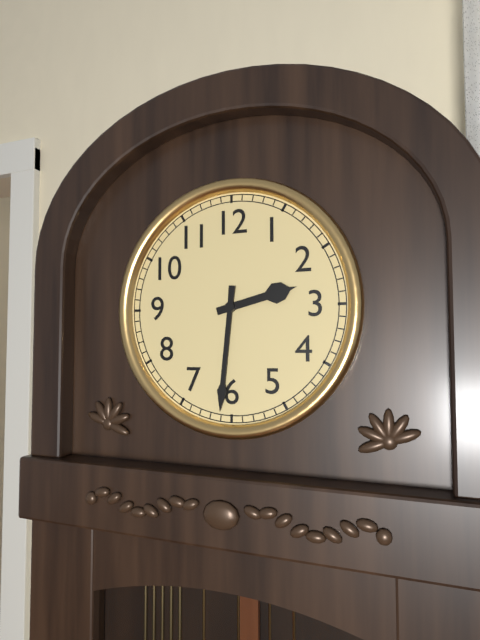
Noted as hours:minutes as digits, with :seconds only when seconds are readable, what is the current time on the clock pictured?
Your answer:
2:31
